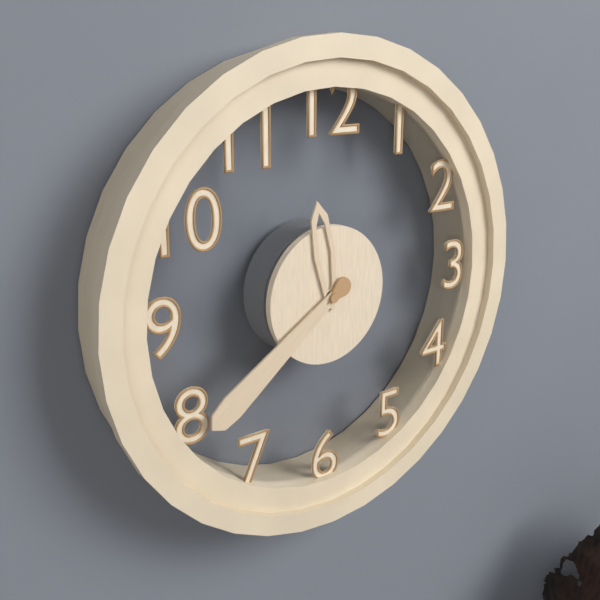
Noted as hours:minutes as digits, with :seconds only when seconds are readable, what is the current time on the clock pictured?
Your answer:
11:39
